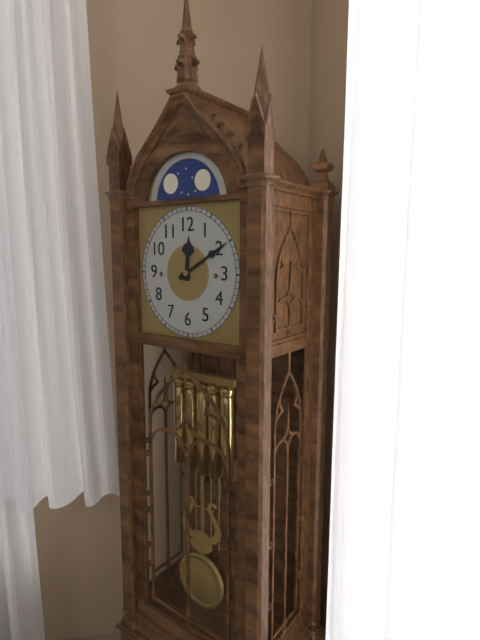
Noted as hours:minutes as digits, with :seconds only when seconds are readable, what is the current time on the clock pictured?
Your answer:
12:10
